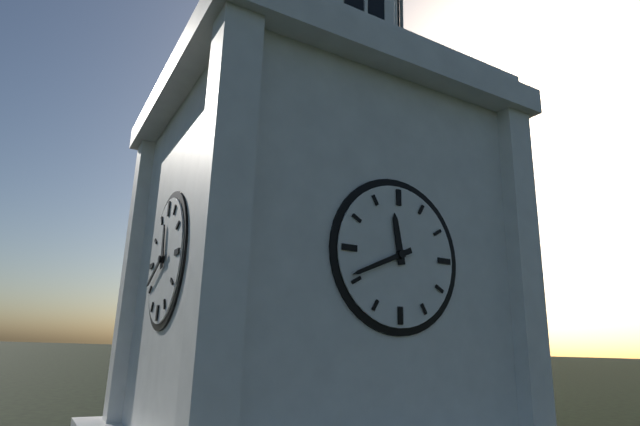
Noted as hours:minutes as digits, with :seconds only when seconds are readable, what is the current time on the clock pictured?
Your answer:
11:41
